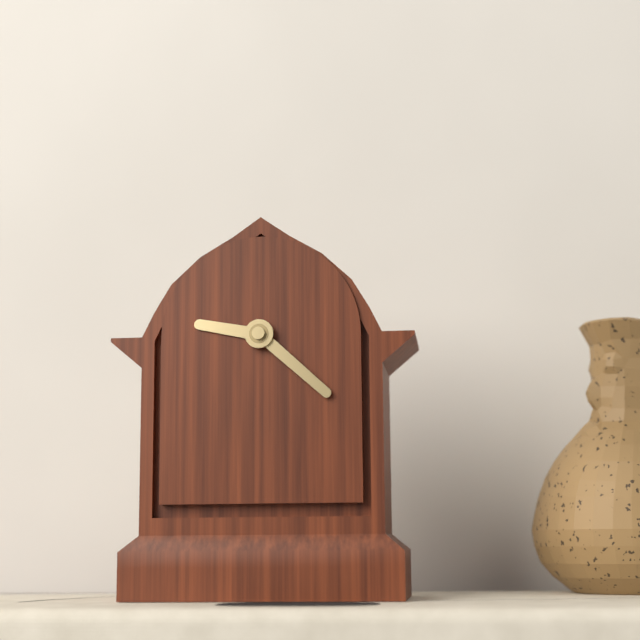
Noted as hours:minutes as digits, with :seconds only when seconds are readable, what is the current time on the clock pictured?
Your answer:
9:22
